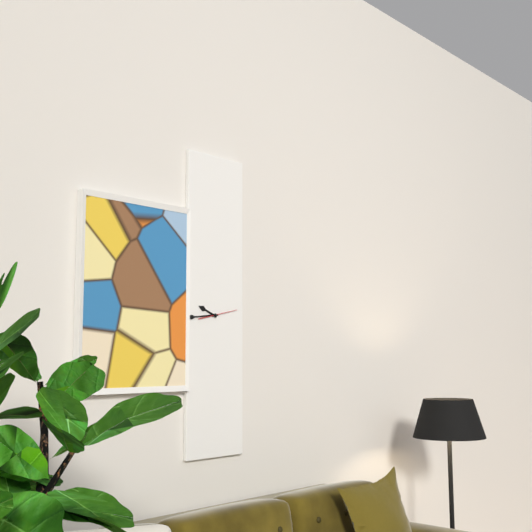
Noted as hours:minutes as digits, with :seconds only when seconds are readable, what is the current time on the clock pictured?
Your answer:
9:44
